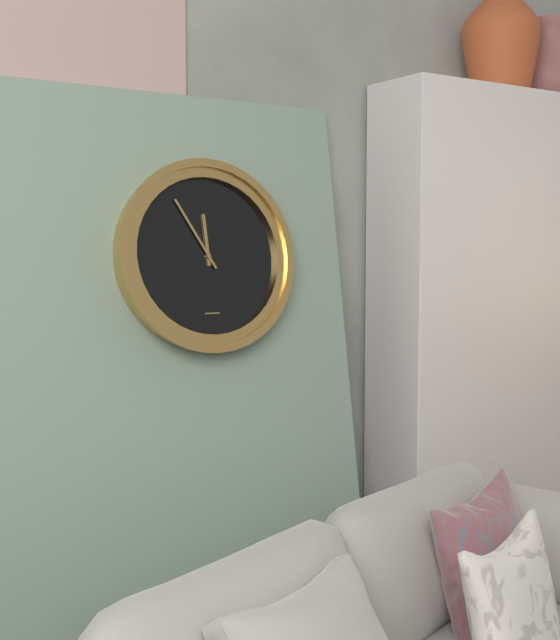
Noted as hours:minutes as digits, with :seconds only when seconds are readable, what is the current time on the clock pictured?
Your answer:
11:55
